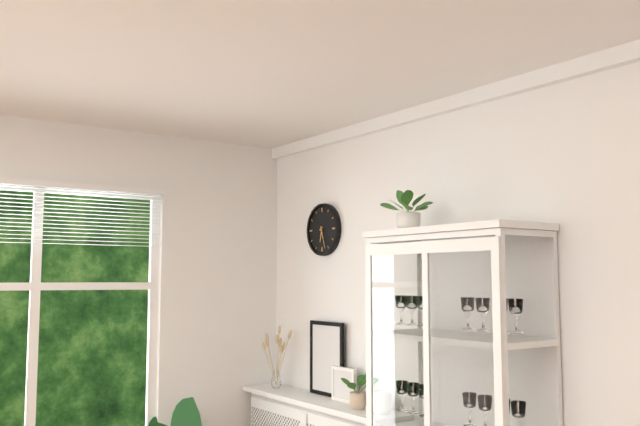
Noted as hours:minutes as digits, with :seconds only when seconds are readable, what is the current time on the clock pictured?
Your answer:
6:27
